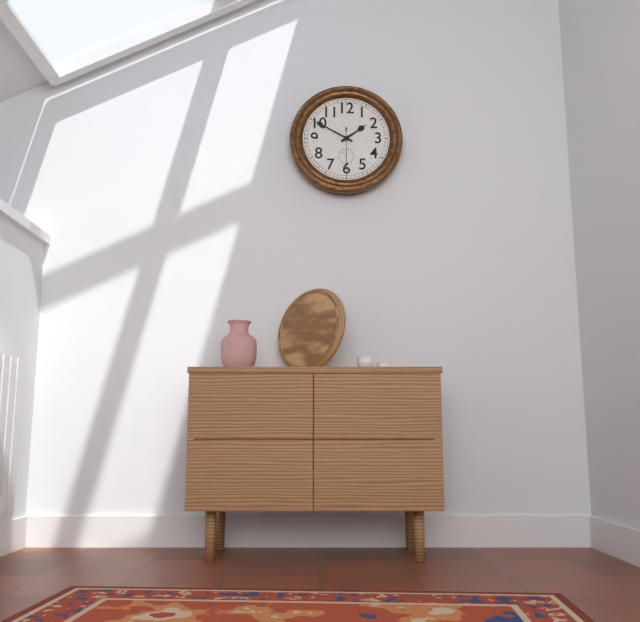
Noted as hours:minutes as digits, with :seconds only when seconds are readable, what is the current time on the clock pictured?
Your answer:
1:50
